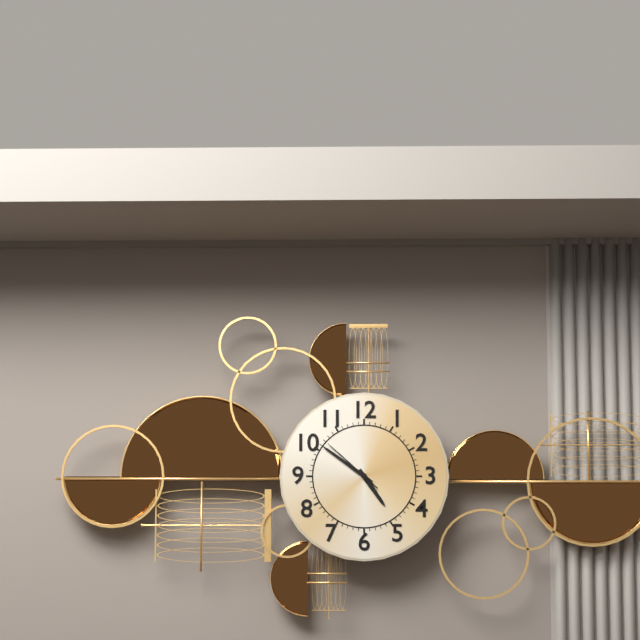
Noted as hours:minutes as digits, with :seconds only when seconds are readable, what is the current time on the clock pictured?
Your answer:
4:51:52
